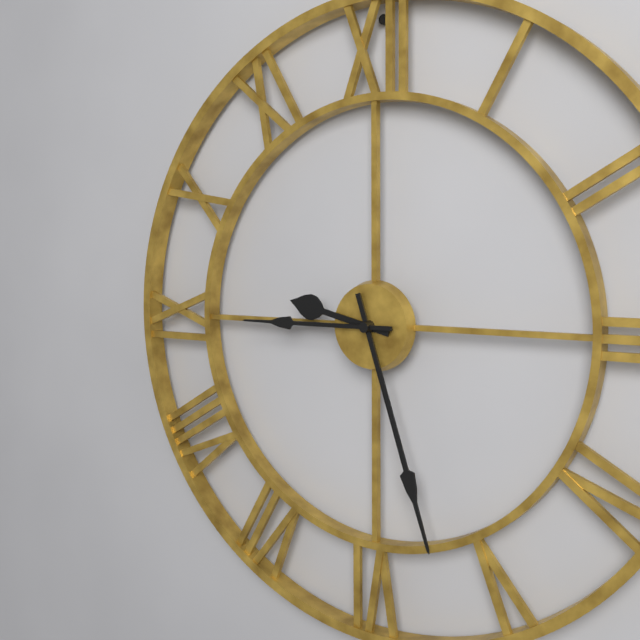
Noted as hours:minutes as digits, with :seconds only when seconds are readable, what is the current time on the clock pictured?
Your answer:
9:27:45
